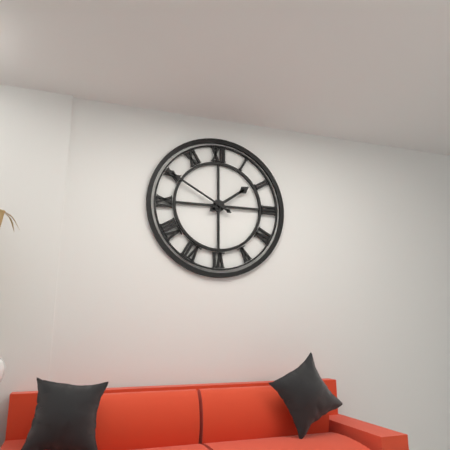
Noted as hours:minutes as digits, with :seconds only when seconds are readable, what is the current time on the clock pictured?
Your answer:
1:50
